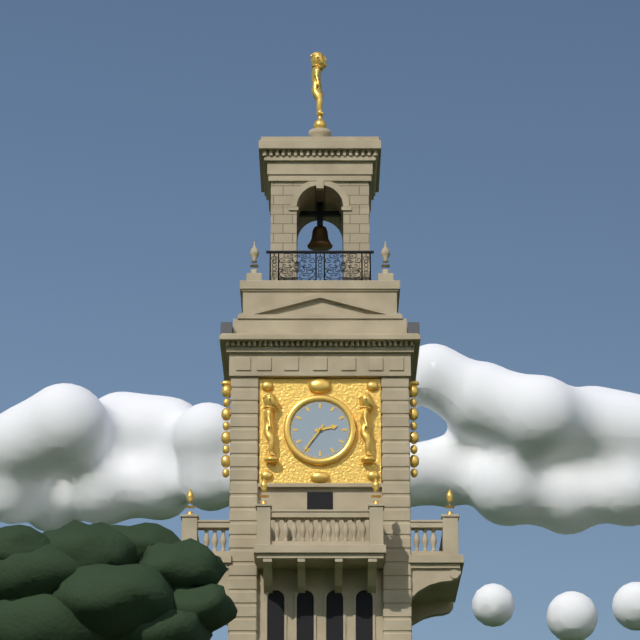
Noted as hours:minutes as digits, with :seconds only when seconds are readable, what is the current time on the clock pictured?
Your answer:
2:36
